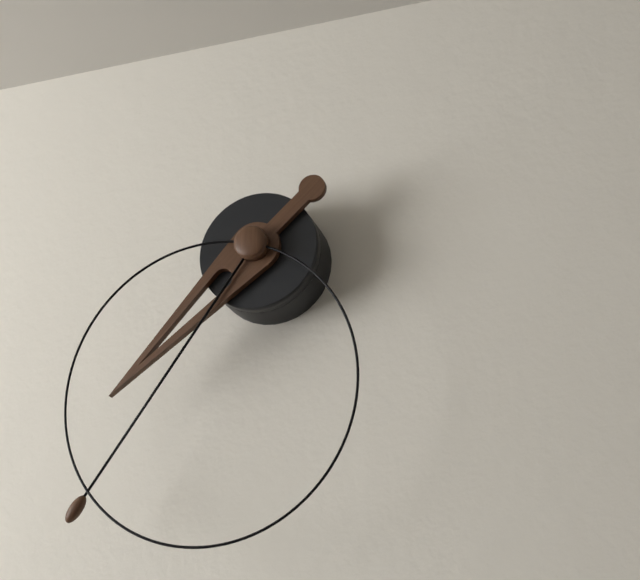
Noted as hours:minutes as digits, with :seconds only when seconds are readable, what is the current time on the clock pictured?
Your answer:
7:36:33
